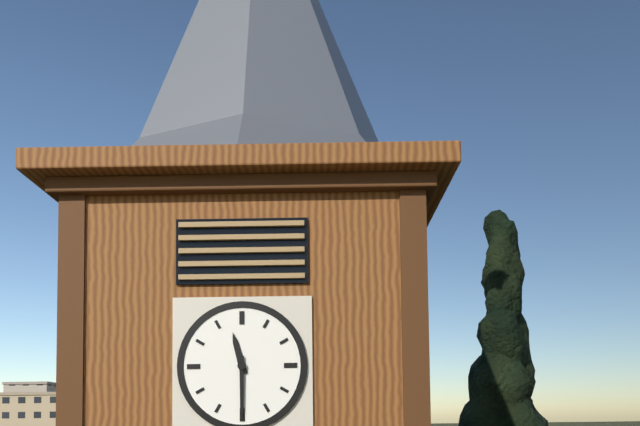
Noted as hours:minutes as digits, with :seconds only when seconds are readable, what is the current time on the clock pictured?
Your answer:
11:30
